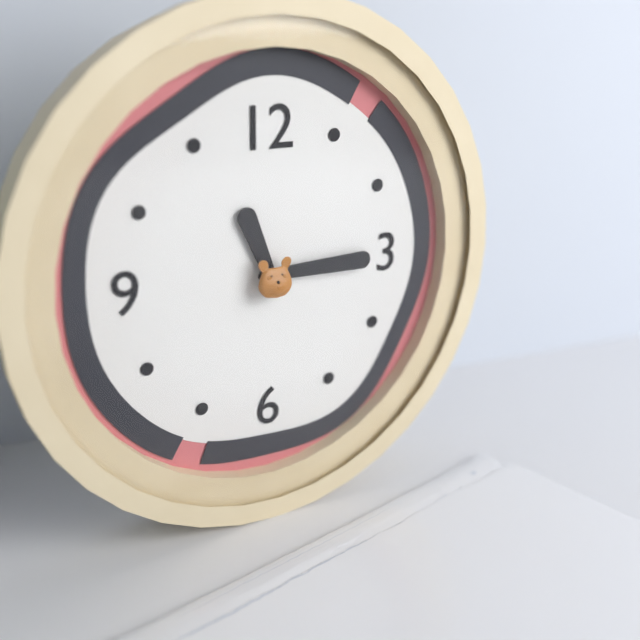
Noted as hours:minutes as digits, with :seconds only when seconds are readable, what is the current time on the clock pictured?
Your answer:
11:15
